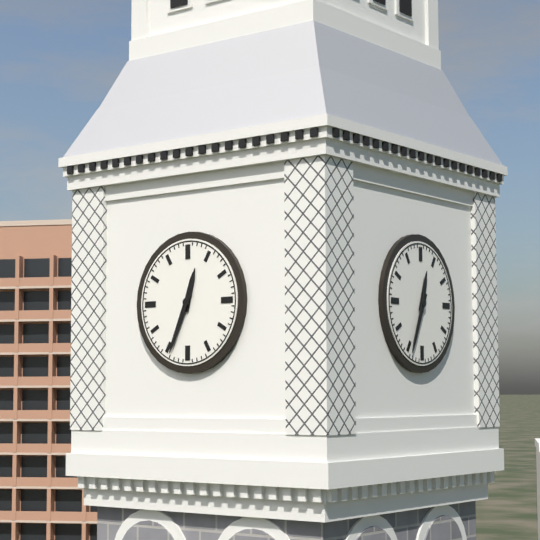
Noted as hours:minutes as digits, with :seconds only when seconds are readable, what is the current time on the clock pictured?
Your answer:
12:34
